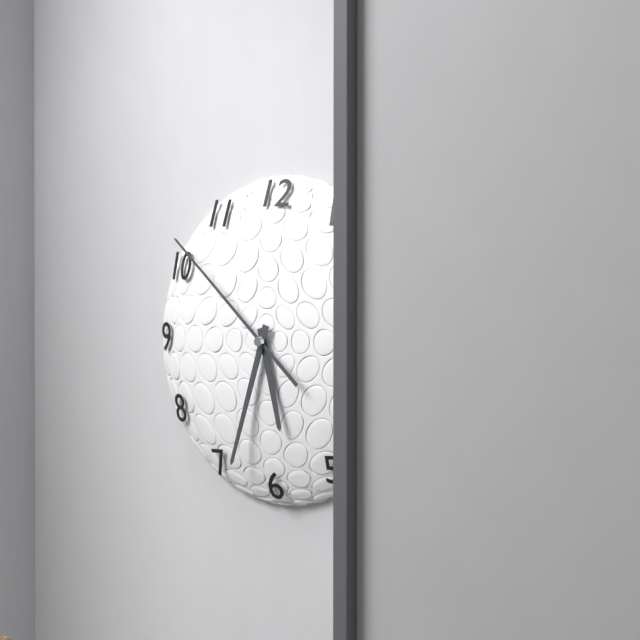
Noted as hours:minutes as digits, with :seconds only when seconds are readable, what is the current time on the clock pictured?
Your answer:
5:33:52
